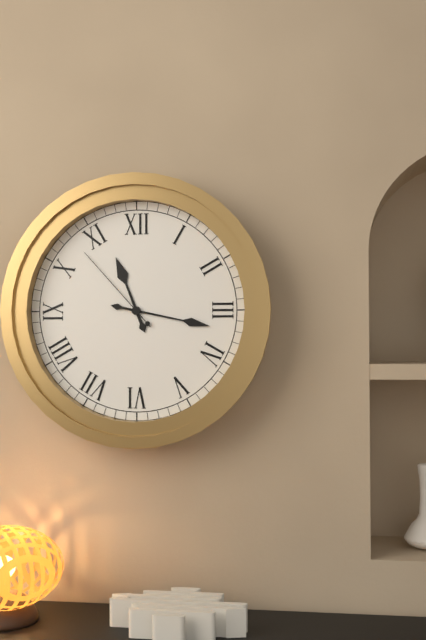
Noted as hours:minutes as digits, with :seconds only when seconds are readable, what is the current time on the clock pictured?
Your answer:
11:17:53
